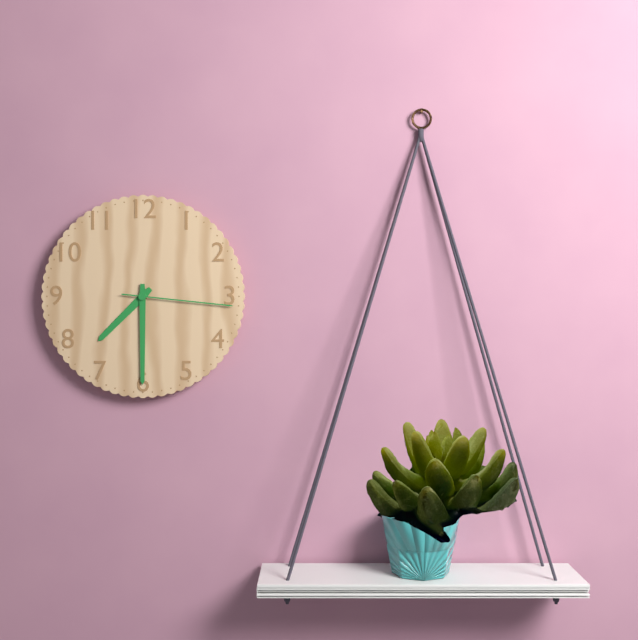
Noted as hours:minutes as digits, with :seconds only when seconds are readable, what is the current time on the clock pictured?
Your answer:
7:30:16
